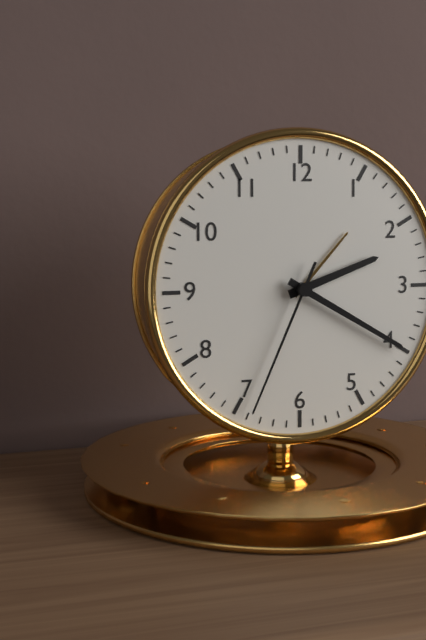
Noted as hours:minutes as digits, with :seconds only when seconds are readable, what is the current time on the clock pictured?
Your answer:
2:20:34
